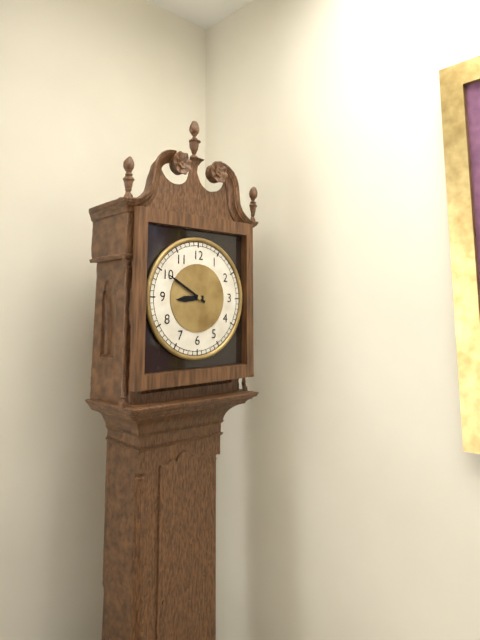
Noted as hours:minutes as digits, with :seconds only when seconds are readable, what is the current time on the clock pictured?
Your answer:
8:50
